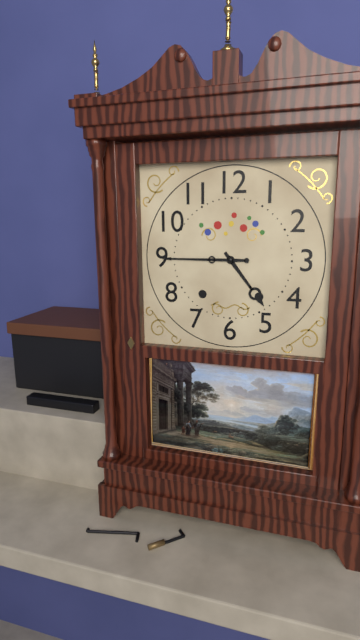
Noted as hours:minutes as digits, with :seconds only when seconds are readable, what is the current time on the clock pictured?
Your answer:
4:45
